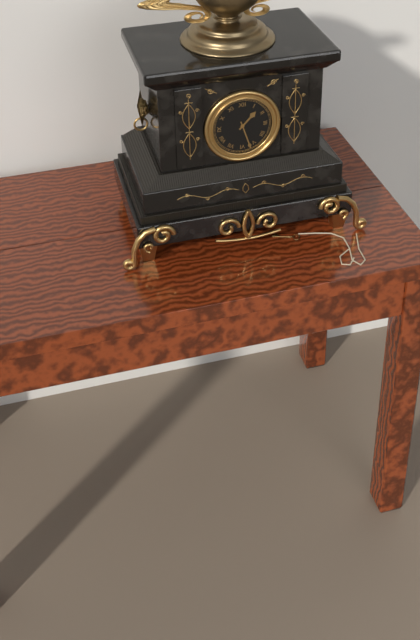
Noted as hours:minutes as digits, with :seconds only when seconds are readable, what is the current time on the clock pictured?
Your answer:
1:27
